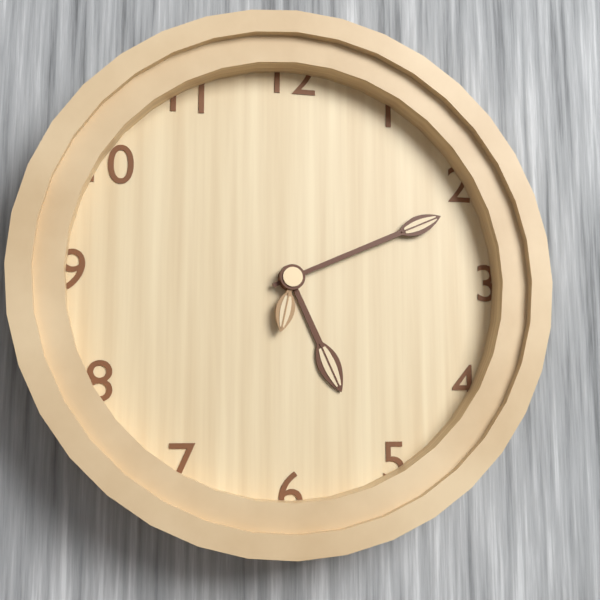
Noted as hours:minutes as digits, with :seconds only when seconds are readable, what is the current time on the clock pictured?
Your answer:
5:11:32
